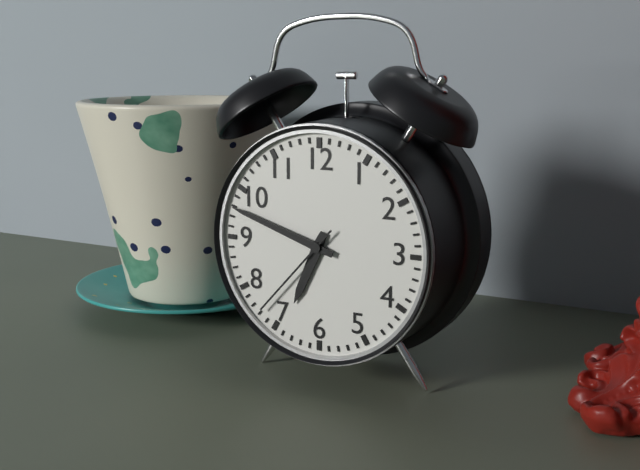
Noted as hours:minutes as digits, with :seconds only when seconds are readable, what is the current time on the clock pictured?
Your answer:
6:48:37
